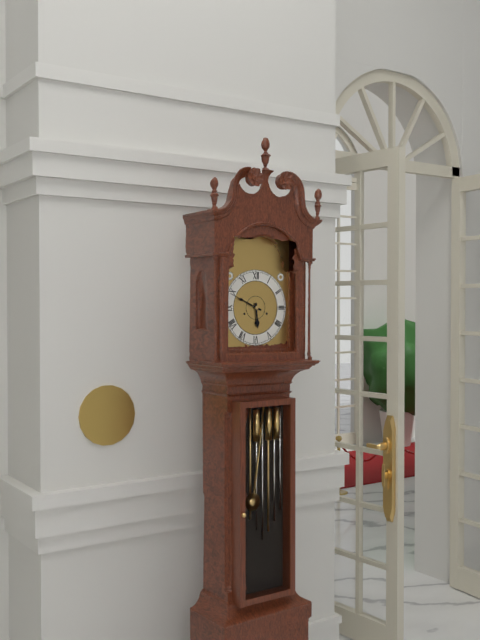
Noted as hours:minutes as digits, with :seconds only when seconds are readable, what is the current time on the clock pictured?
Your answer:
5:49
